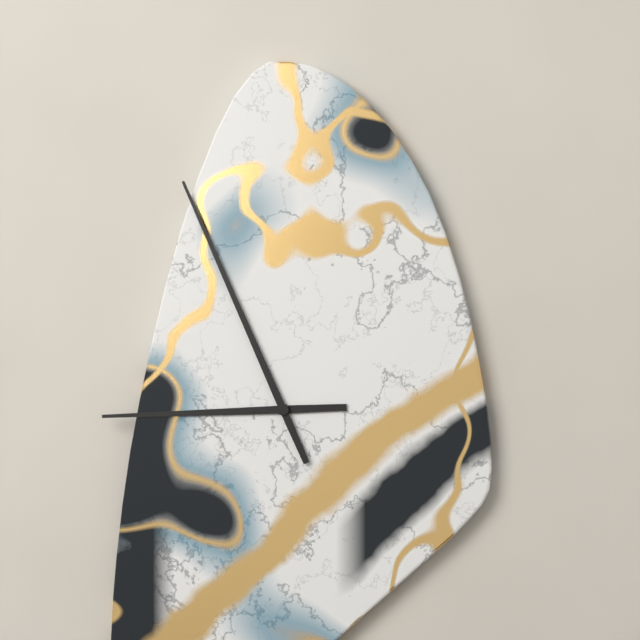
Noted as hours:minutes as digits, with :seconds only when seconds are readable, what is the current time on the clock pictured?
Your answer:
8:56
